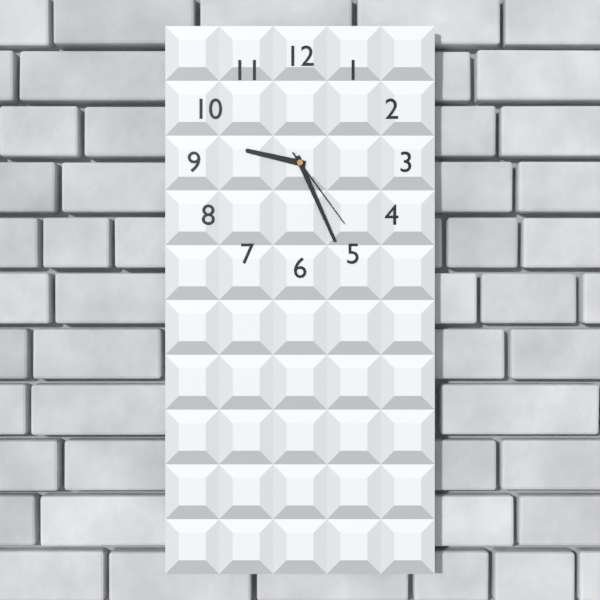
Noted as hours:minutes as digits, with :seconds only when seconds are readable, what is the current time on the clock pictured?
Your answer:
9:26:24
